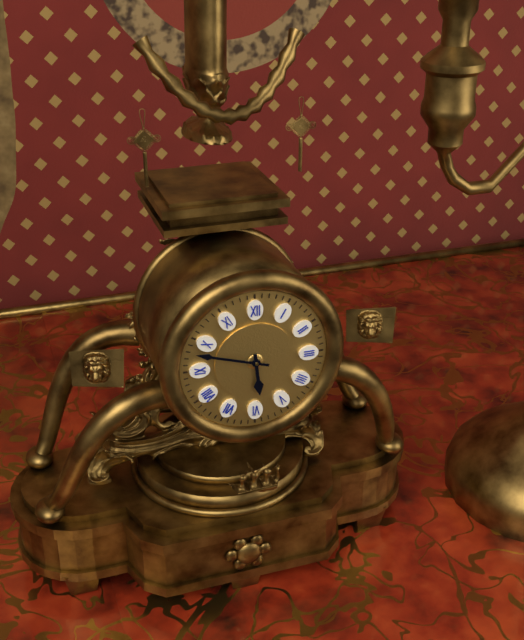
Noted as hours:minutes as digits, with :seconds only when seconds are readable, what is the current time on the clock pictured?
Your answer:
5:48
